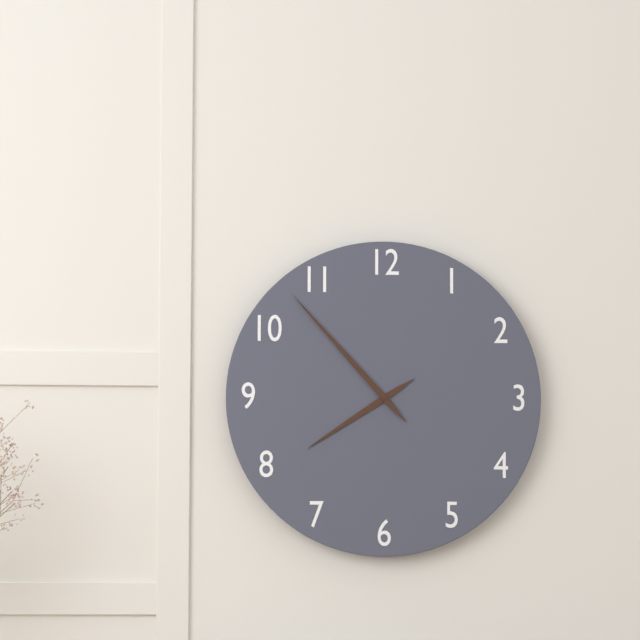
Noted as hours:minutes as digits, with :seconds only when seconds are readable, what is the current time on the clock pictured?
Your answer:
7:53
